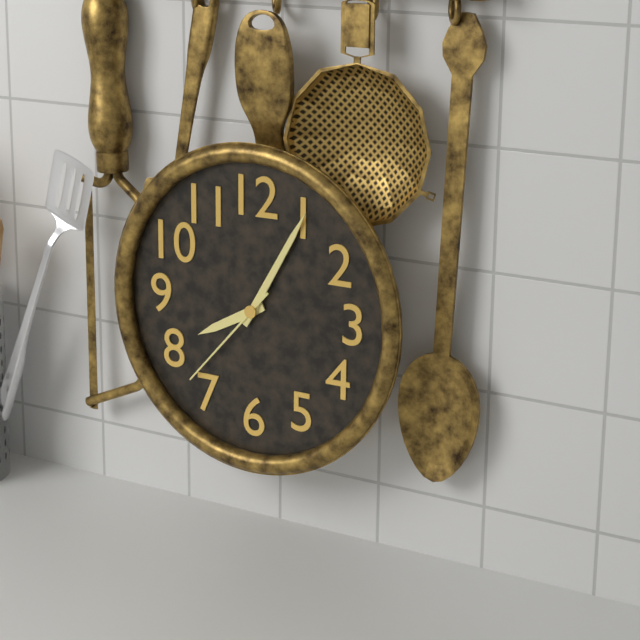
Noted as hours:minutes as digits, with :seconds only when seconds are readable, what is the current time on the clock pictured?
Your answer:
8:05:37
